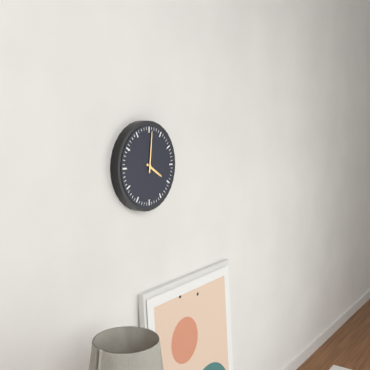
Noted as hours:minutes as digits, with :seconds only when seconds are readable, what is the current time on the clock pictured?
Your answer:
4:01
